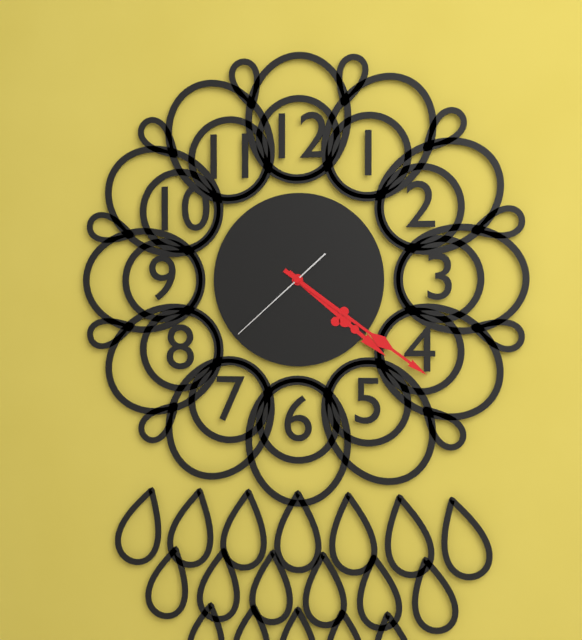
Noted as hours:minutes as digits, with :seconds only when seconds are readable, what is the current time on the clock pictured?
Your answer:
4:21:38
